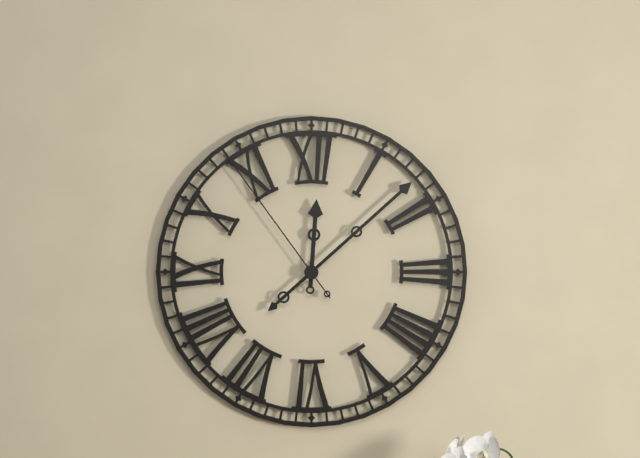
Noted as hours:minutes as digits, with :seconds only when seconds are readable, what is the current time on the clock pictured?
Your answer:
12:08:54
